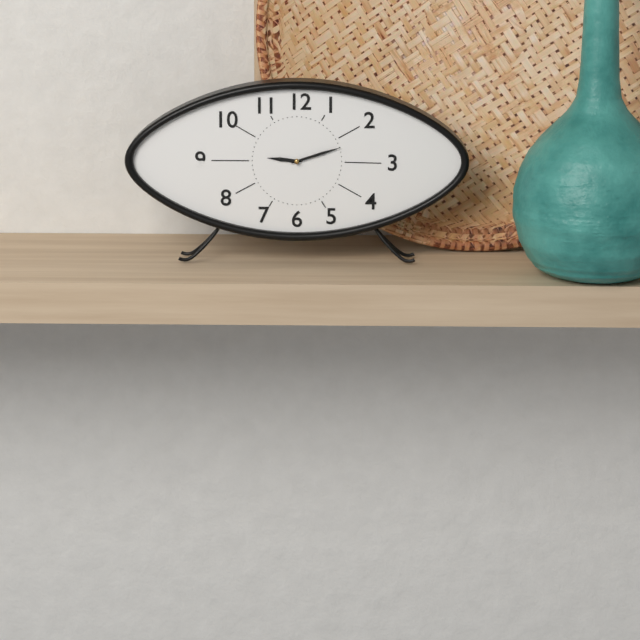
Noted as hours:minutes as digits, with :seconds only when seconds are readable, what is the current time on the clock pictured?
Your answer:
9:12
